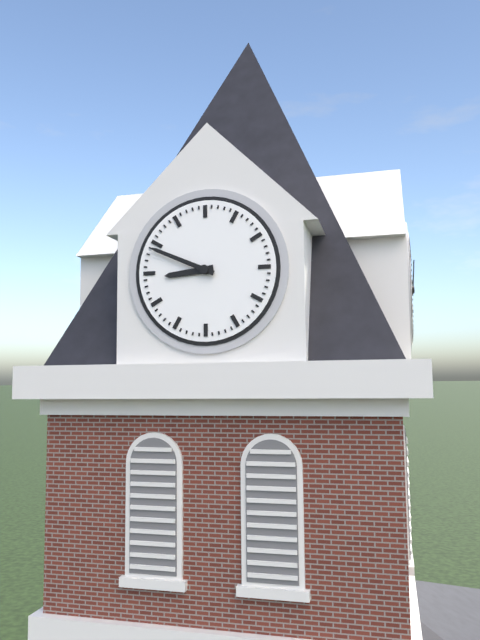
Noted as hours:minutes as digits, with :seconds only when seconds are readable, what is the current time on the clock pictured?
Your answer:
8:49
